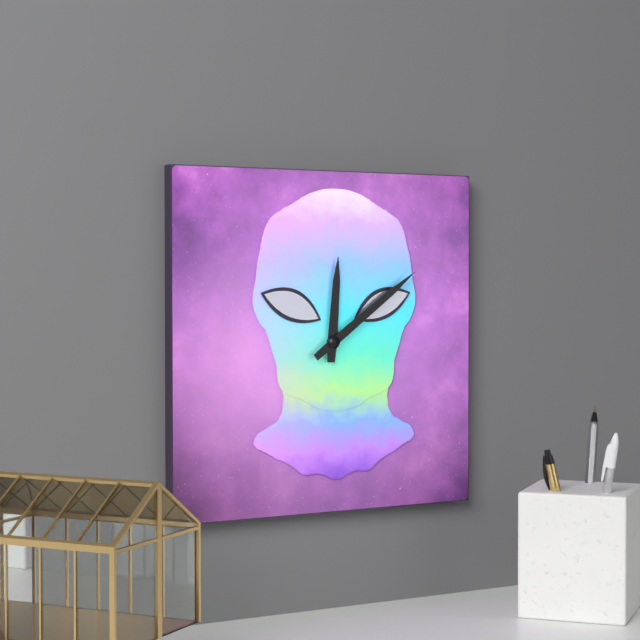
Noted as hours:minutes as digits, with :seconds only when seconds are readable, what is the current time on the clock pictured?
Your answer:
12:09
